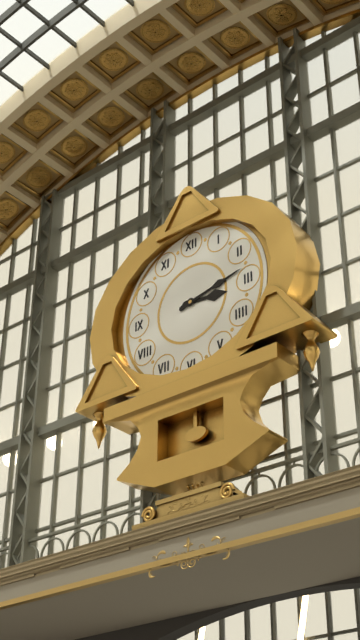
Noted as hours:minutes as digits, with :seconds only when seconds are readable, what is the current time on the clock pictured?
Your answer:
3:13
